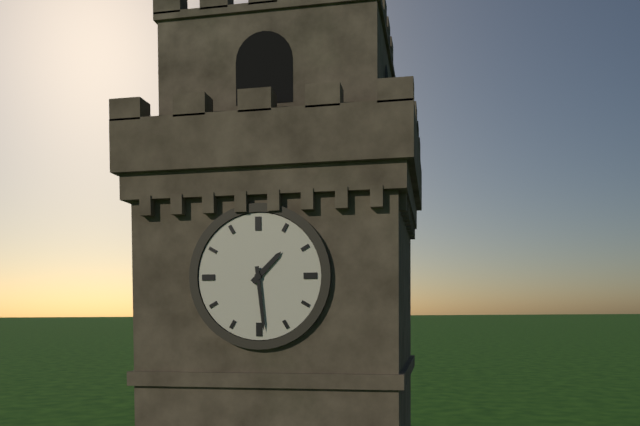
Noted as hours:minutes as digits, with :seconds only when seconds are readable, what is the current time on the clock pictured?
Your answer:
1:29
